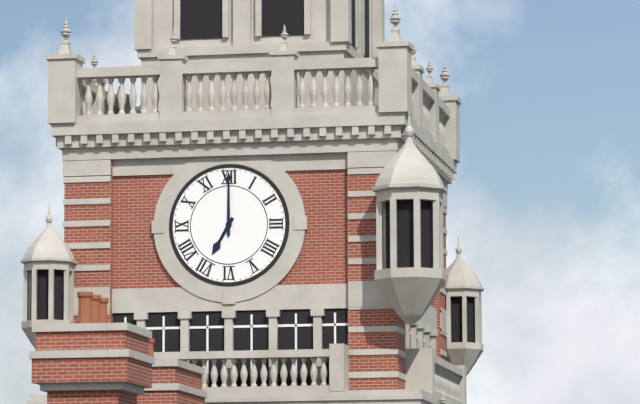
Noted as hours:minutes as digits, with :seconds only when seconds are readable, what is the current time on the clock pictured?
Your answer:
7:00
